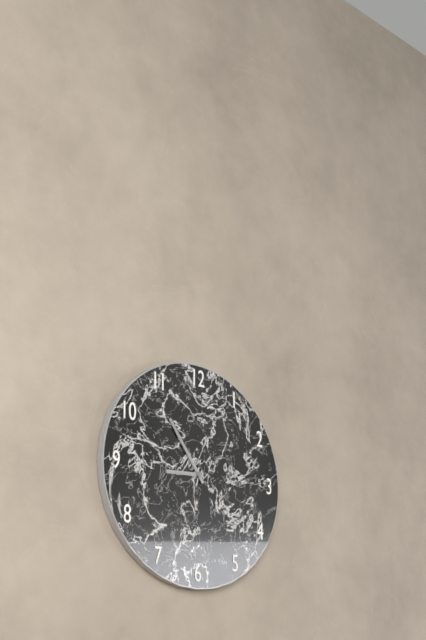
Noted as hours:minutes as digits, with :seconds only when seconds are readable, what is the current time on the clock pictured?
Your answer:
8:54
